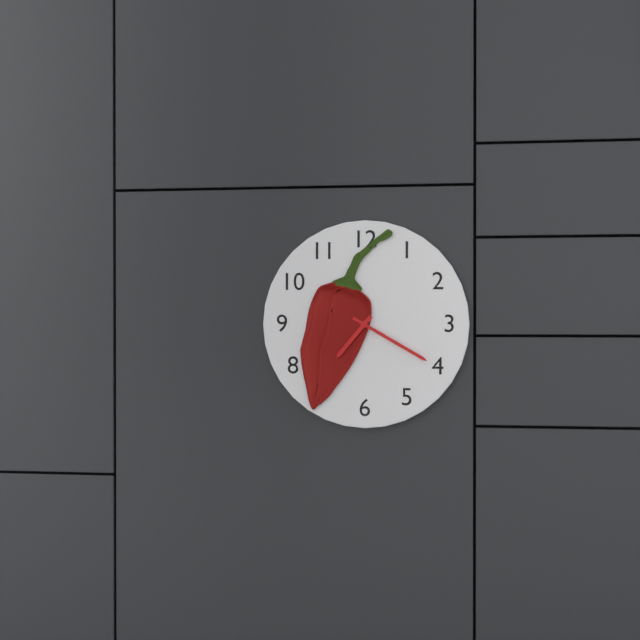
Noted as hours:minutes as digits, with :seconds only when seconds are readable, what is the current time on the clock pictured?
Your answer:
7:20
